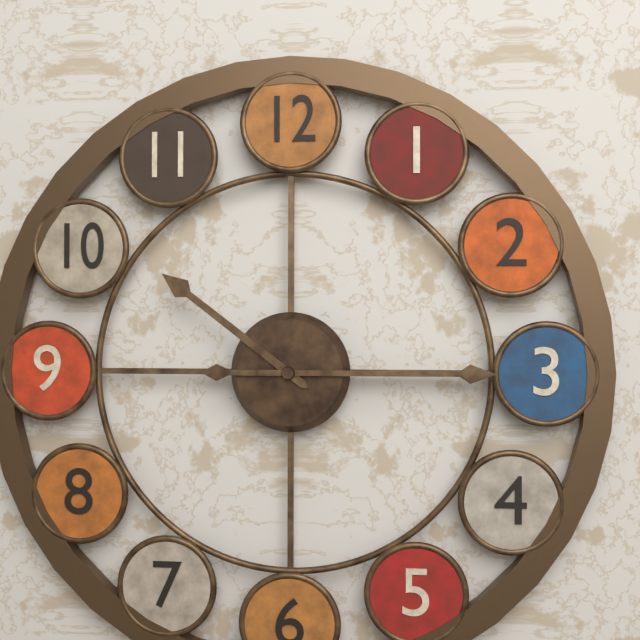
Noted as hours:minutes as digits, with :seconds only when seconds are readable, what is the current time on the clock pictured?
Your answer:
10:15
